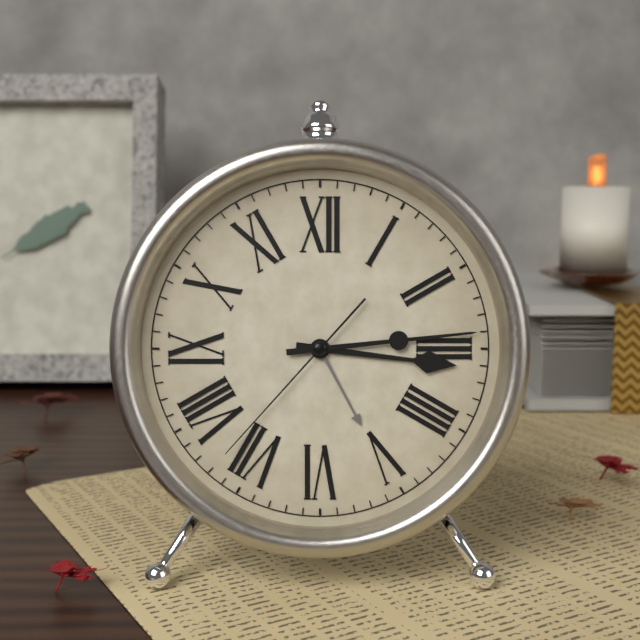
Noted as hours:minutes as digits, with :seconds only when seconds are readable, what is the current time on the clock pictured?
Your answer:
3:14:37
